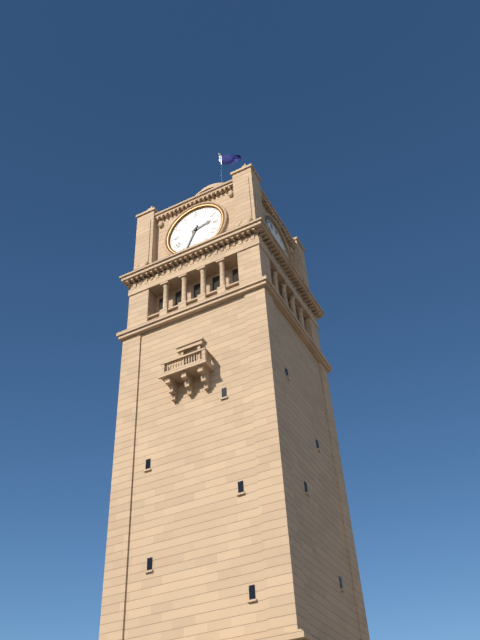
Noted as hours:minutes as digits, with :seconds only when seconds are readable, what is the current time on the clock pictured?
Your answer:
2:34
